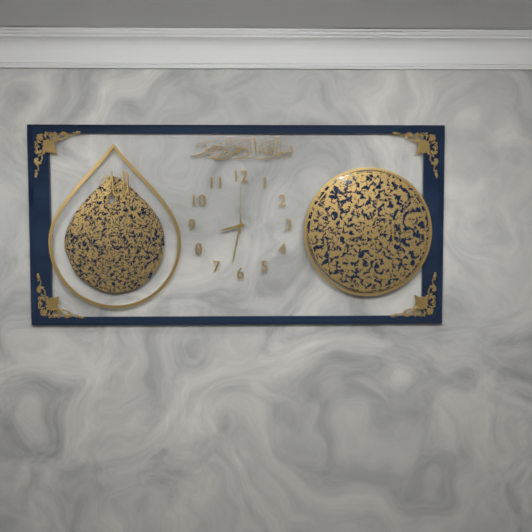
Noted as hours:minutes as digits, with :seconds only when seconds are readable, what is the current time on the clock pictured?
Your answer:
8:32:00
